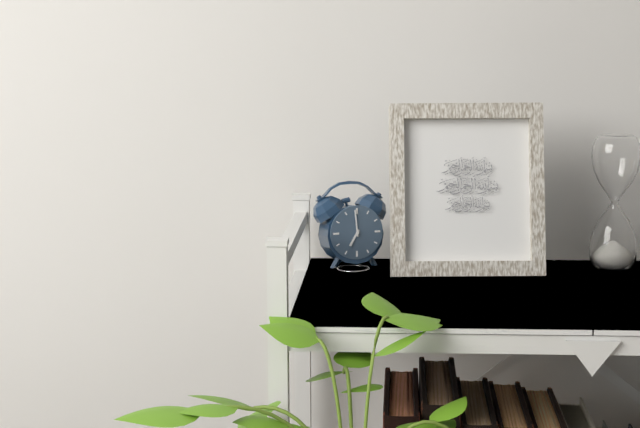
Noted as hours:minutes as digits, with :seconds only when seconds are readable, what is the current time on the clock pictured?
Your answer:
6:59
